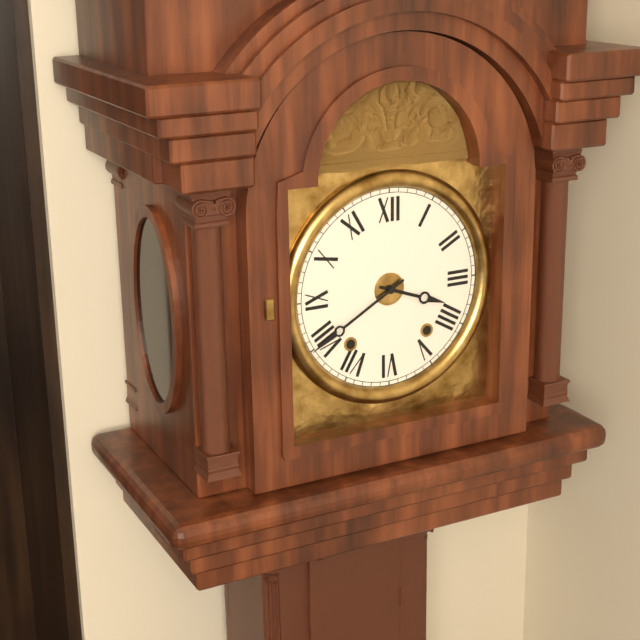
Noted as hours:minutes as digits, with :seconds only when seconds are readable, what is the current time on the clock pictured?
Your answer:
3:40
